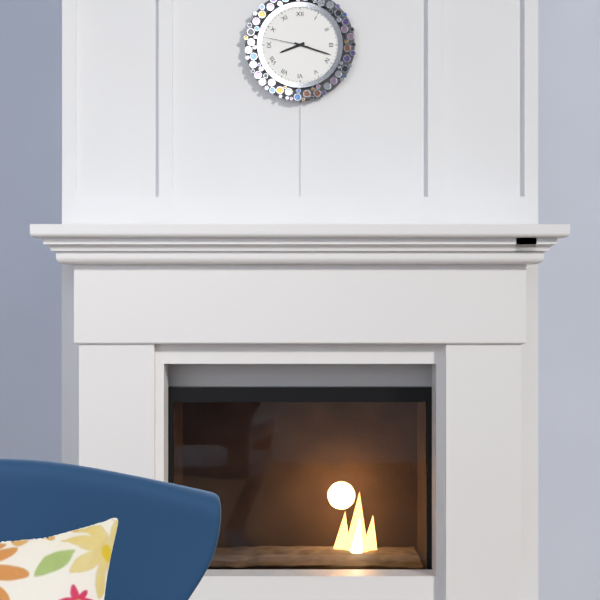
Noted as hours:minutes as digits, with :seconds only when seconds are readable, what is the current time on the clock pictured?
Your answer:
8:18
